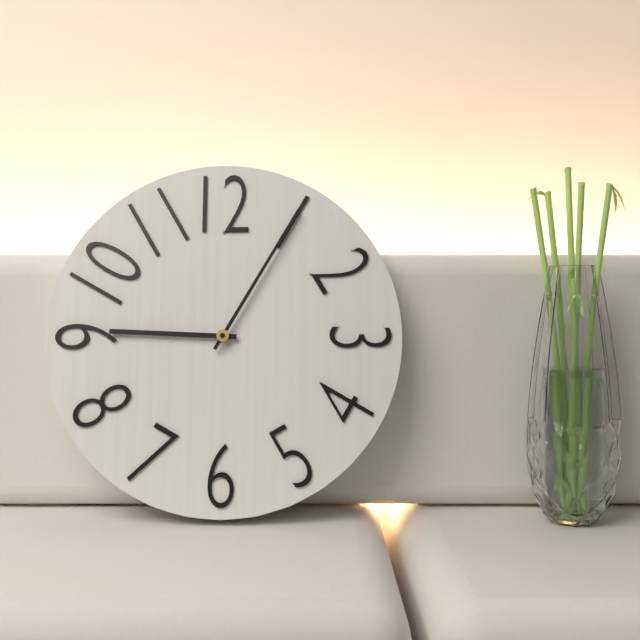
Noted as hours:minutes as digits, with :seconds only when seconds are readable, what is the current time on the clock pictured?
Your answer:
9:05
